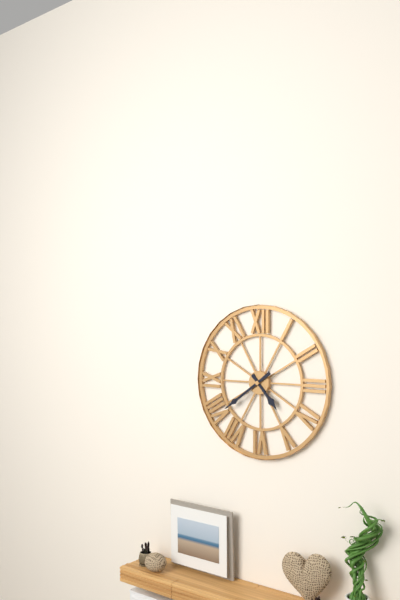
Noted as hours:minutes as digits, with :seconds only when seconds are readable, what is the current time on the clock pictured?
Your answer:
4:39
